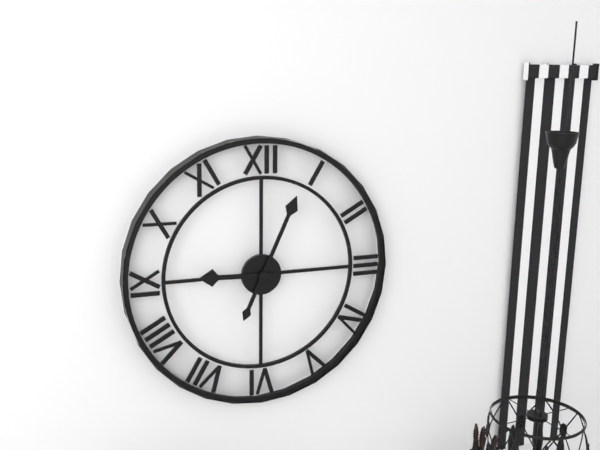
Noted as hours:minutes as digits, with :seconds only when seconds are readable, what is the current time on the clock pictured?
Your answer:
9:04
